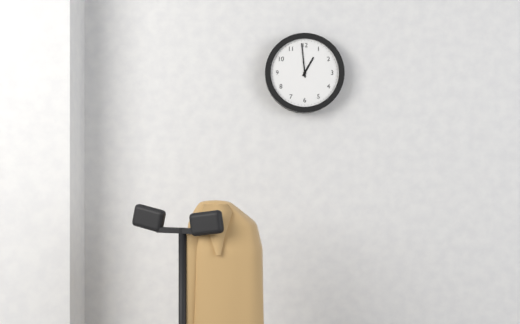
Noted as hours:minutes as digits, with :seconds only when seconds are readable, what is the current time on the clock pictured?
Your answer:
12:59
